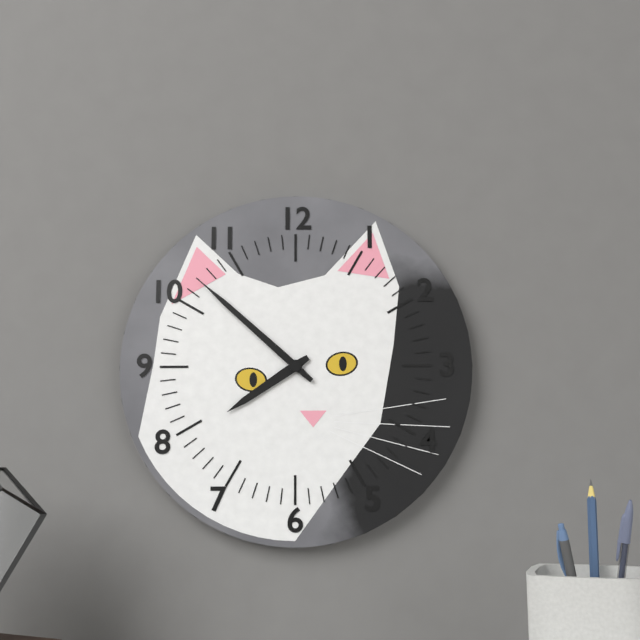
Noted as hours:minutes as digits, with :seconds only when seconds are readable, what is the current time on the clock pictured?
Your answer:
7:52
